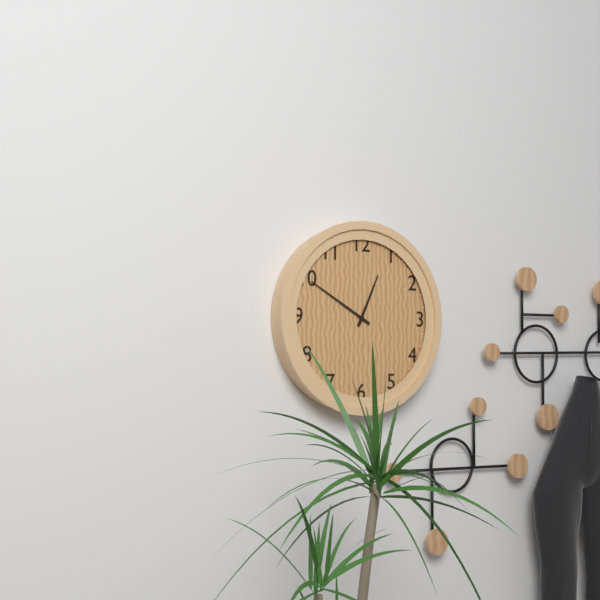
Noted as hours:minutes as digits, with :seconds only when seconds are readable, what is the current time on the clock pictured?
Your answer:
12:50
